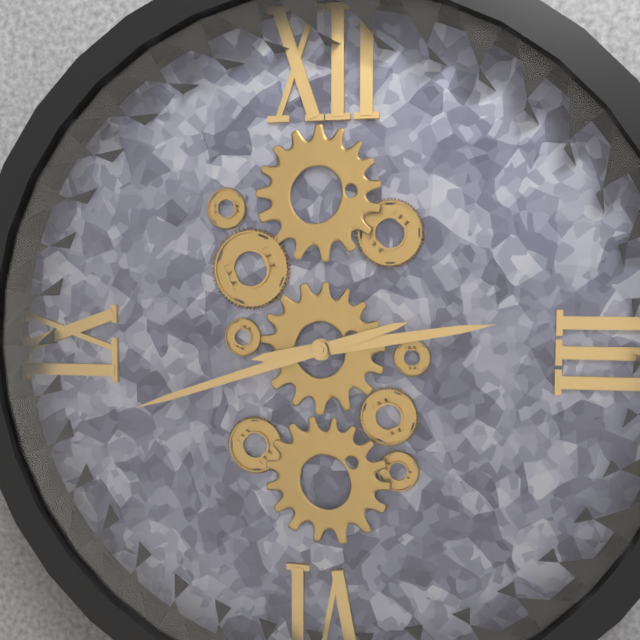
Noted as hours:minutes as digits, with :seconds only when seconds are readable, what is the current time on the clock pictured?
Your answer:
2:42
